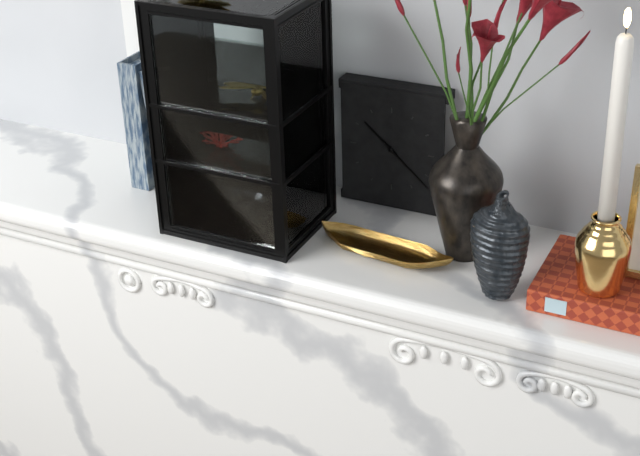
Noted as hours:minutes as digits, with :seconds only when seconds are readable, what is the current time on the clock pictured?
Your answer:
10:22
